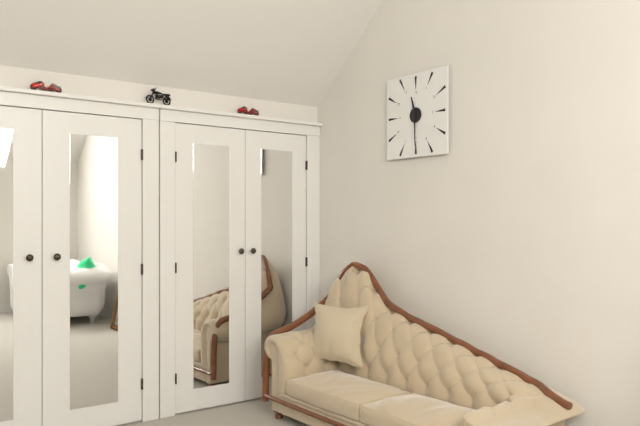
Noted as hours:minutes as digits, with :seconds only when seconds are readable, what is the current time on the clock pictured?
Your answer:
11:30
